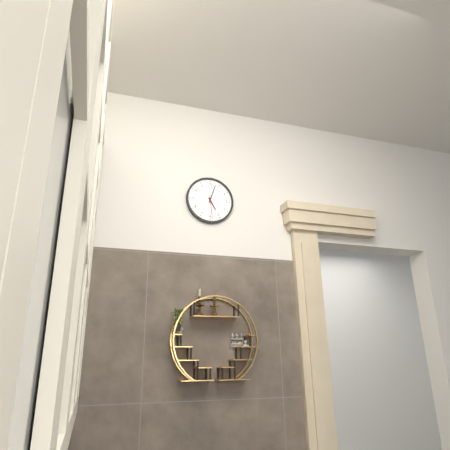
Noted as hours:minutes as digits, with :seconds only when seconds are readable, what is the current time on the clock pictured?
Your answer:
5:03
